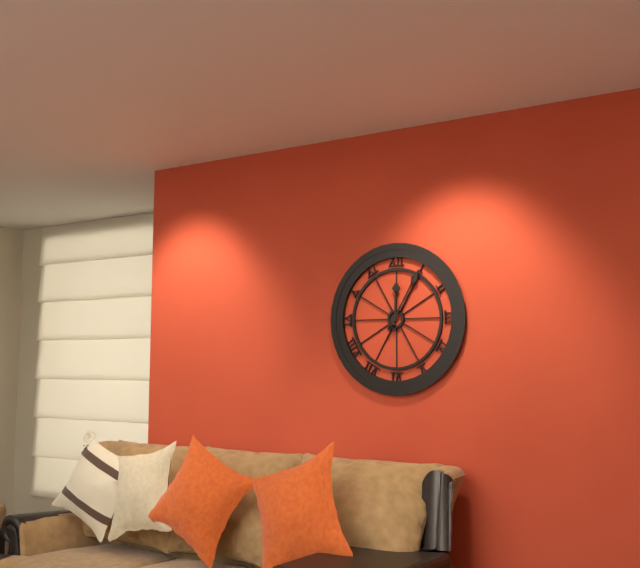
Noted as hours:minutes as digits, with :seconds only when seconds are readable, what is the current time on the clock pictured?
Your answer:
12:05
